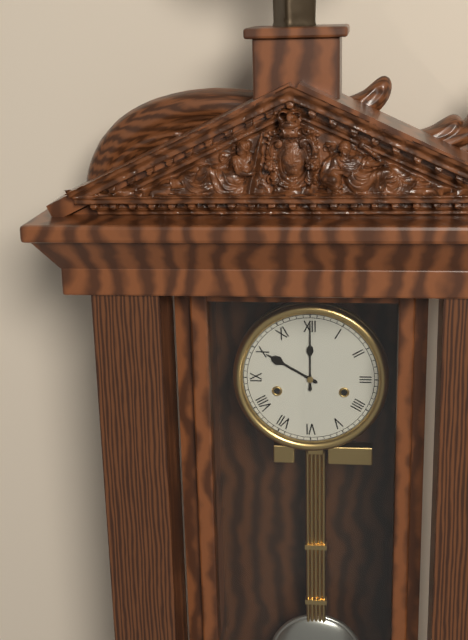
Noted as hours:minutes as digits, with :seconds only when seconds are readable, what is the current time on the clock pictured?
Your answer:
10:00
